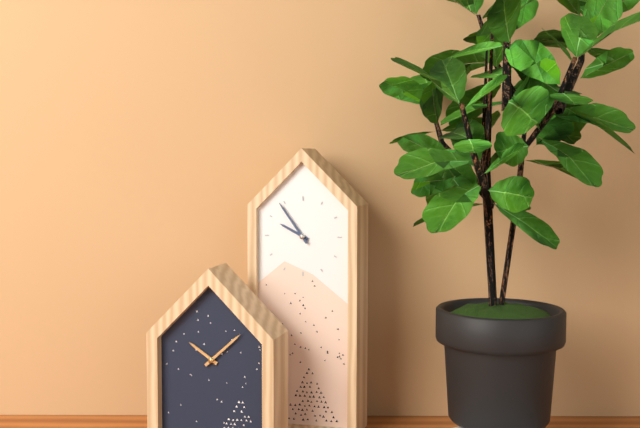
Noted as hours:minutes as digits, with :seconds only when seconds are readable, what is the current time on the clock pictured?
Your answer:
9:54
